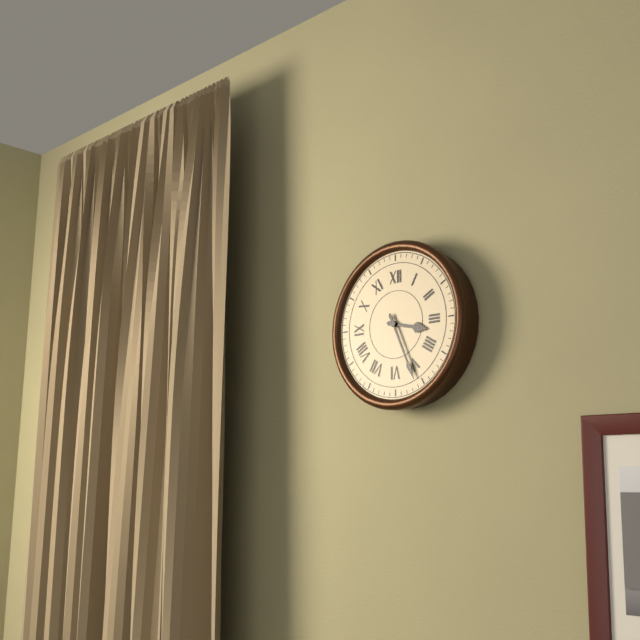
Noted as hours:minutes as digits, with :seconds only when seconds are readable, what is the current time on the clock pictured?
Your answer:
3:26
